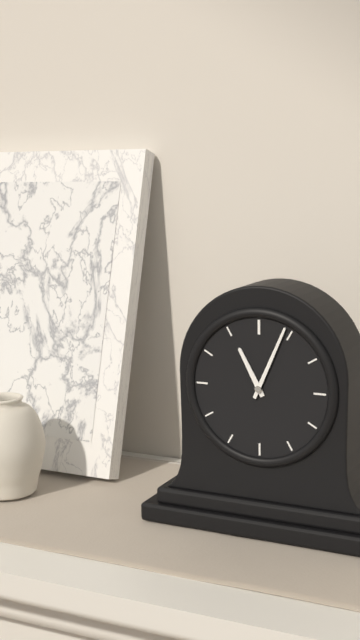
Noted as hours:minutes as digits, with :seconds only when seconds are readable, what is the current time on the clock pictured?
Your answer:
11:04
